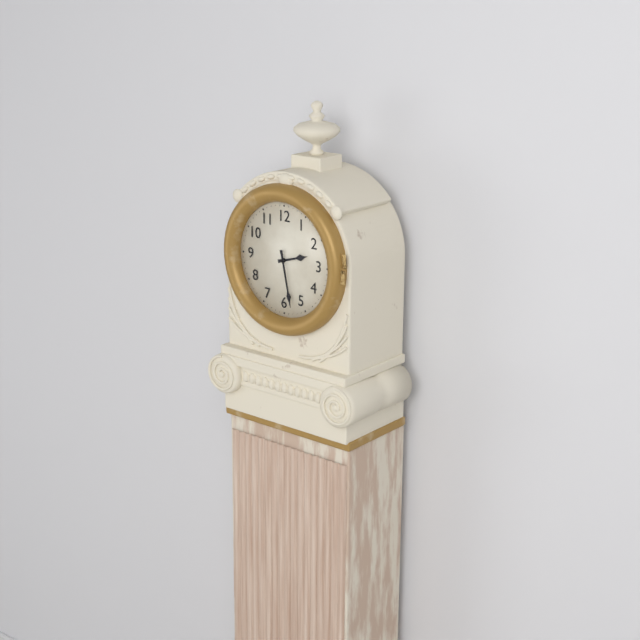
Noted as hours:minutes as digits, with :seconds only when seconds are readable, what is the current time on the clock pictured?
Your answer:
2:28
